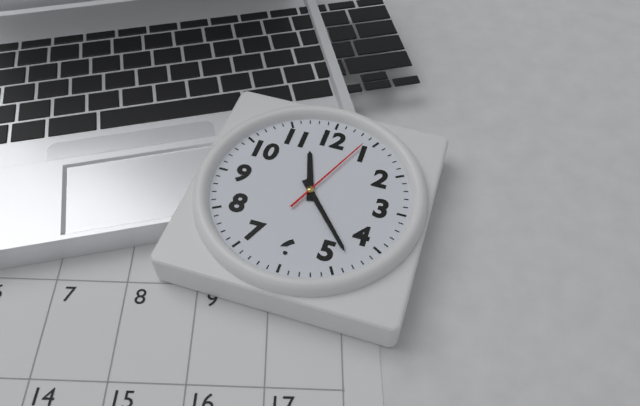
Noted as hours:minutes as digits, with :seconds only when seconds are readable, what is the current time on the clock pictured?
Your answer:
11:23:04
